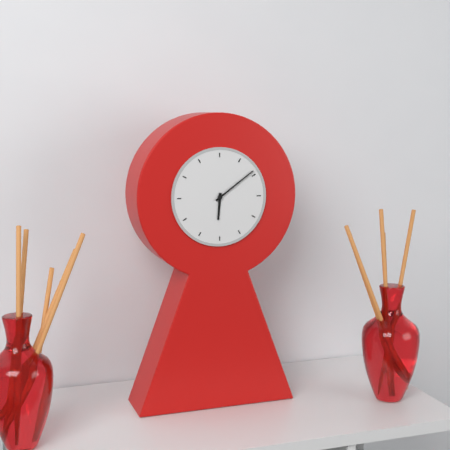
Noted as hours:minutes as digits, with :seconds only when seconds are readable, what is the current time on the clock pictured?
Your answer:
6:09
